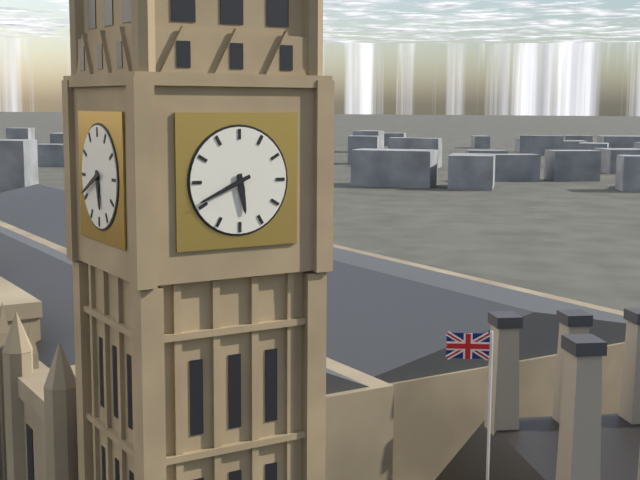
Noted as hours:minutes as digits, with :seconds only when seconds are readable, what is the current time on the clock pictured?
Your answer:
5:41
